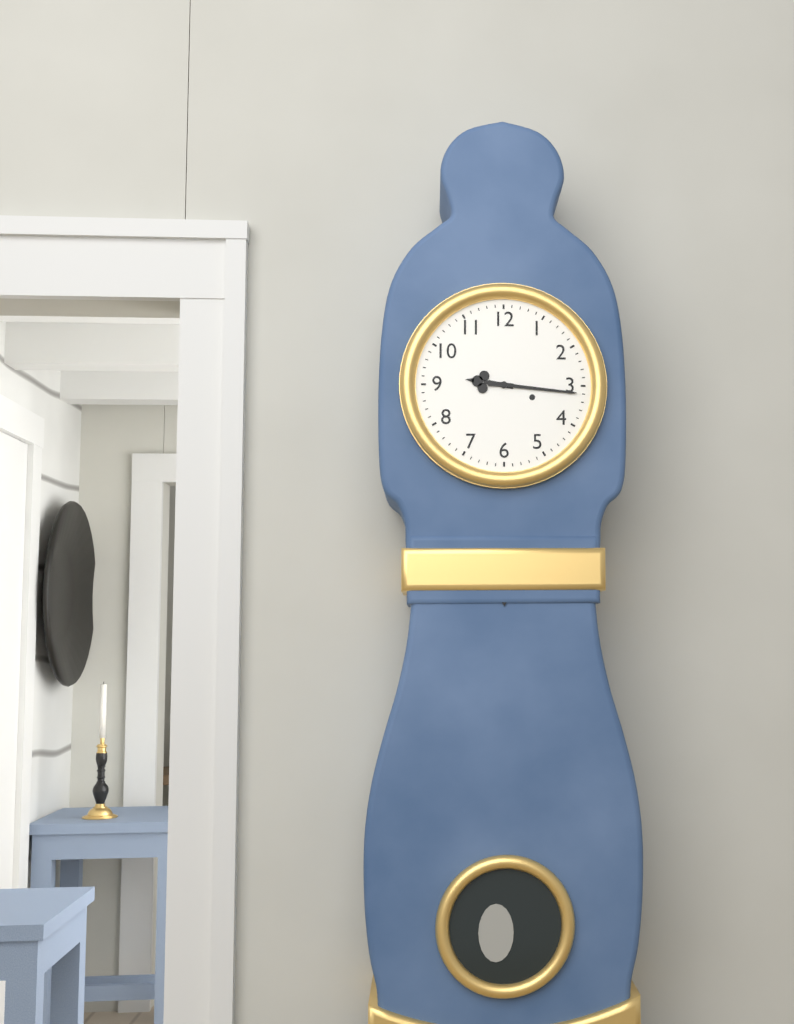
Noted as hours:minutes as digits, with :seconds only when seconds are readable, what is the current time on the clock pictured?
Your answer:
9:16
